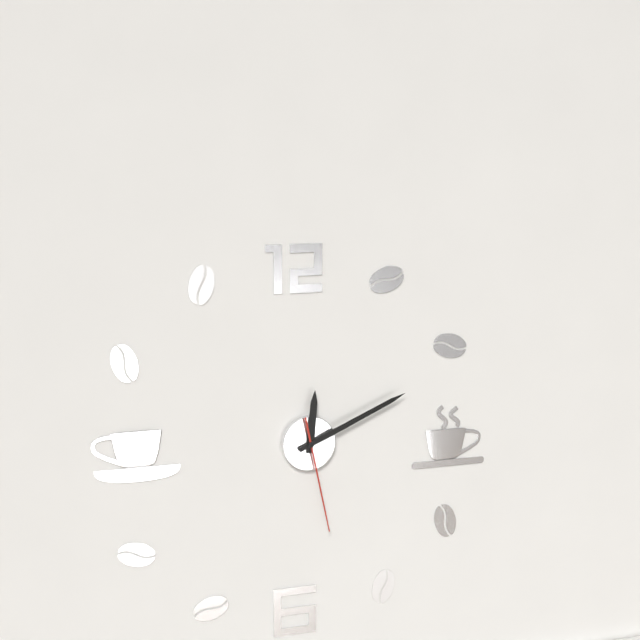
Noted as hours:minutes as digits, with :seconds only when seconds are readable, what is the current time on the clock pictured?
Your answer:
12:11:28
